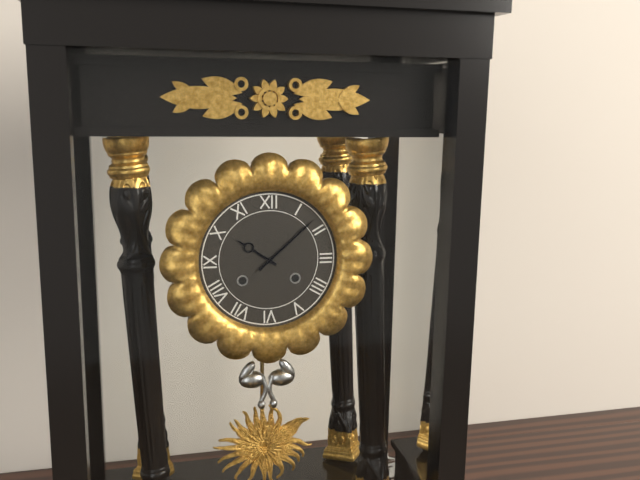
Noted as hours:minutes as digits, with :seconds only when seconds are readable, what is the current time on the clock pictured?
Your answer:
10:08
